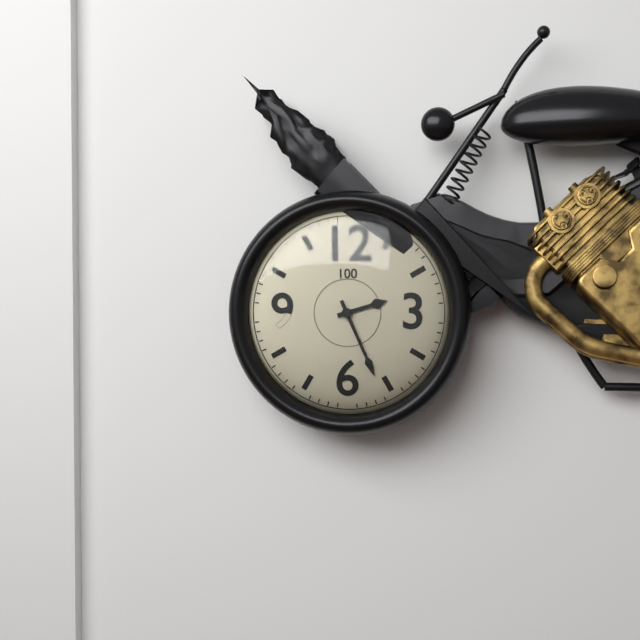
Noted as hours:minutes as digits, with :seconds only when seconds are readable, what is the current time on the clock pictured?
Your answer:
2:26
